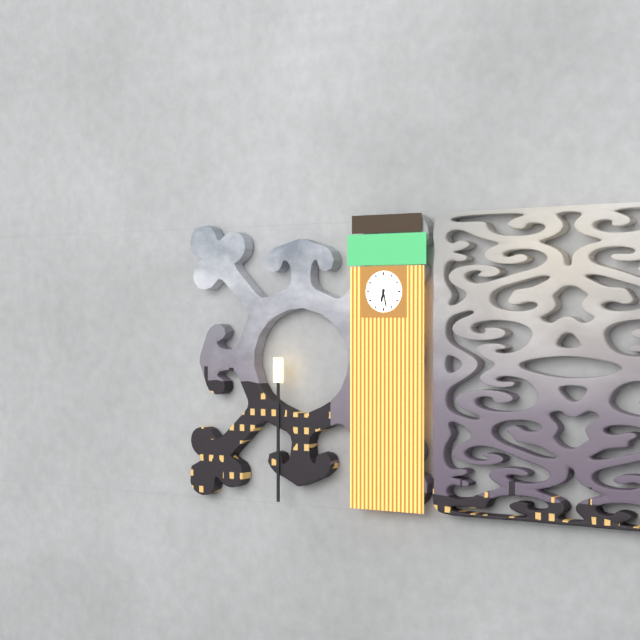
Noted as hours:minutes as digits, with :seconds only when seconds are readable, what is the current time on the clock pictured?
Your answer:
6:28
